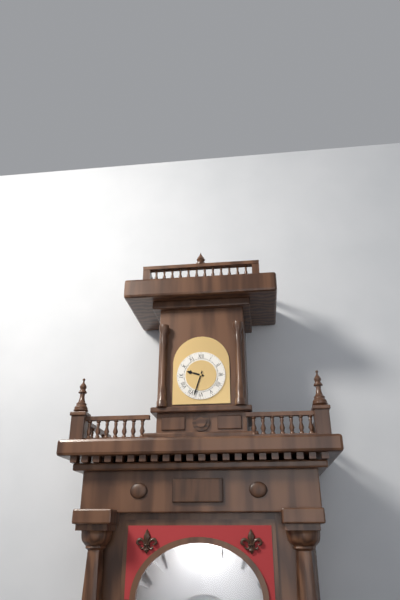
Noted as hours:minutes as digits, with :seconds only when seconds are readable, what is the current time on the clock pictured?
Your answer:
9:33
